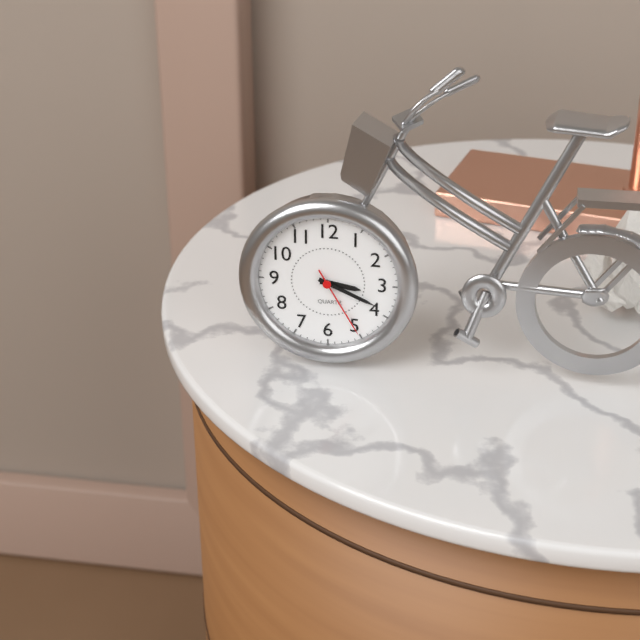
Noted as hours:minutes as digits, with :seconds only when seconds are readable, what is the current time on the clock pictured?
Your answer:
3:19:25
